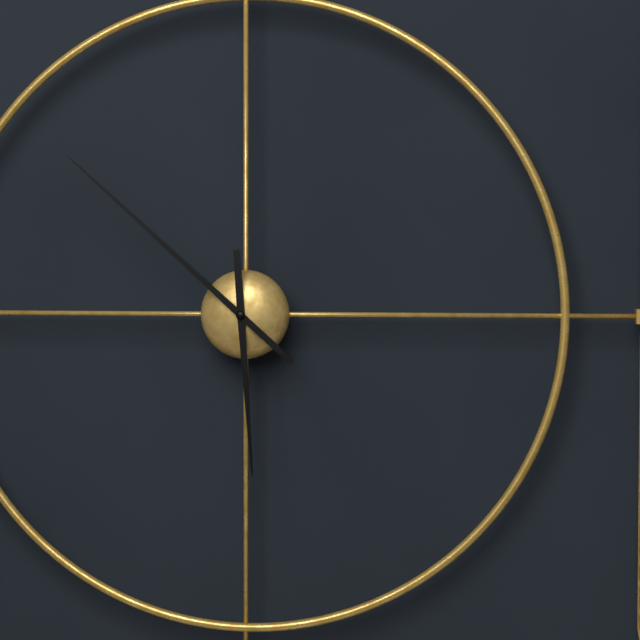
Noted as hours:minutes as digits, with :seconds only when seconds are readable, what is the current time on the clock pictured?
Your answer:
5:52
